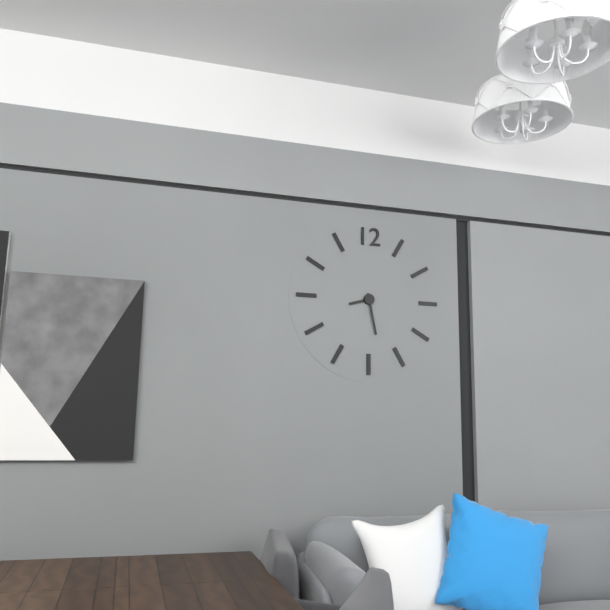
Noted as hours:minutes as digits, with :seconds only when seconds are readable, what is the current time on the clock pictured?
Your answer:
8:28
